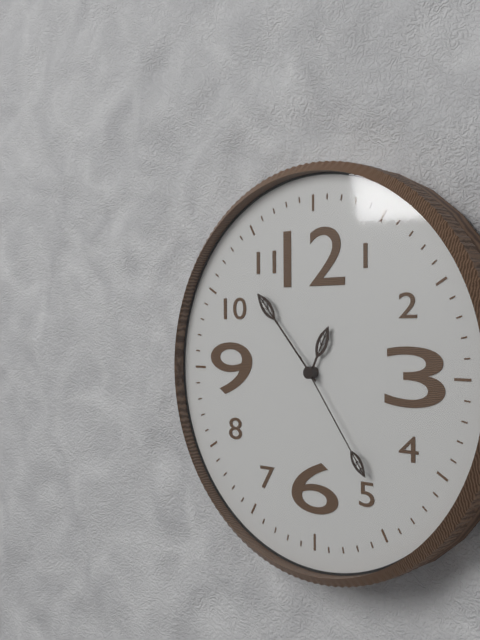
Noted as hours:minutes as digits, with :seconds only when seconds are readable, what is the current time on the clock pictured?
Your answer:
12:53:24
